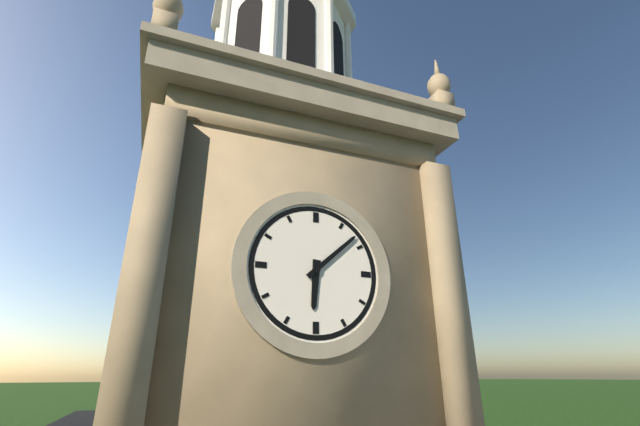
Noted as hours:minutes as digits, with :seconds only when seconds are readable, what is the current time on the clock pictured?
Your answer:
6:08
